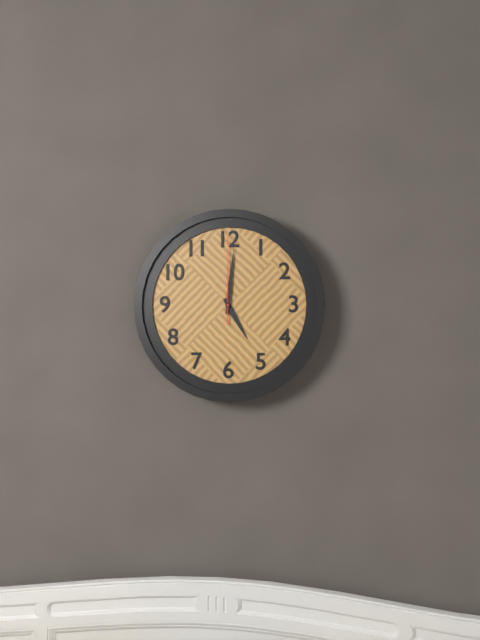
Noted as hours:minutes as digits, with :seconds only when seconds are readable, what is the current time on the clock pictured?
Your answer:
5:01:00
